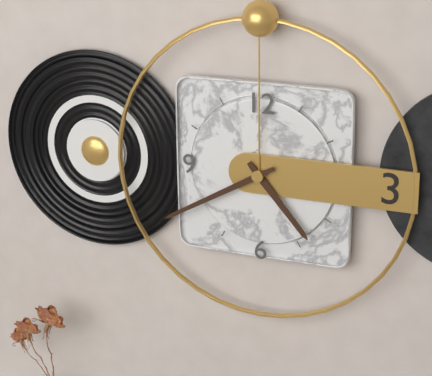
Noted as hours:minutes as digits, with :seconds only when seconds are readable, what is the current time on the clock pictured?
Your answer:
4:40
